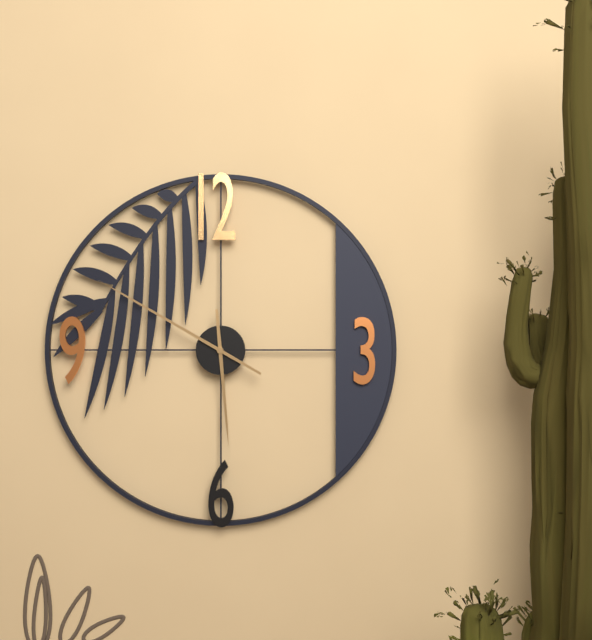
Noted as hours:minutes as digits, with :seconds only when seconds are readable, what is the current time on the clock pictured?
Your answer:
5:50
